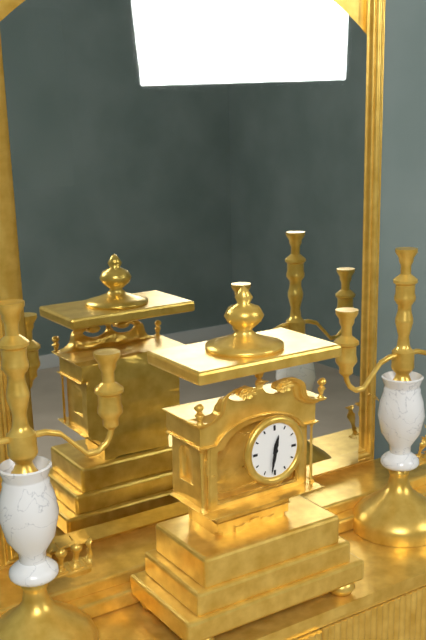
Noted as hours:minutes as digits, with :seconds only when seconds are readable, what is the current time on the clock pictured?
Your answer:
12:32
